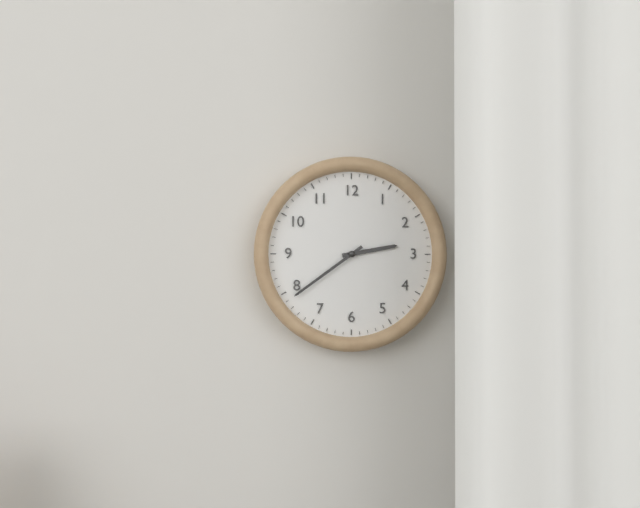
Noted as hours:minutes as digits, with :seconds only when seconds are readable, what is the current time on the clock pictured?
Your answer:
2:39
